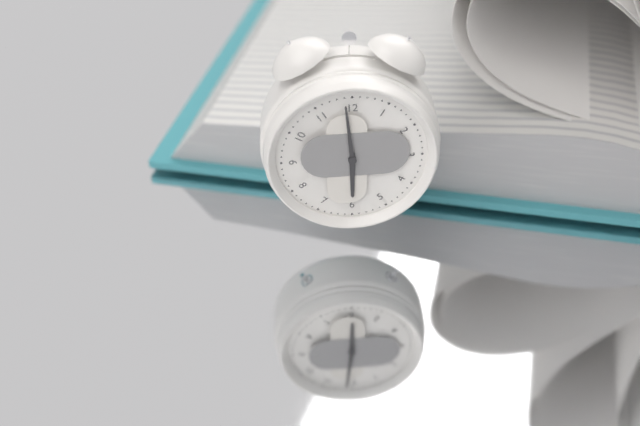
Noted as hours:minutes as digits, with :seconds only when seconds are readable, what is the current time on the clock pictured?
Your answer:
5:59
